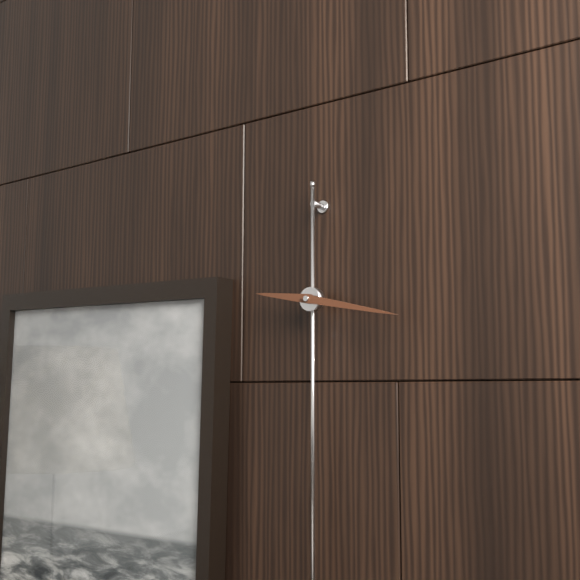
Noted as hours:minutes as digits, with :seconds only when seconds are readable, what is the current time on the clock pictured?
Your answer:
9:17
